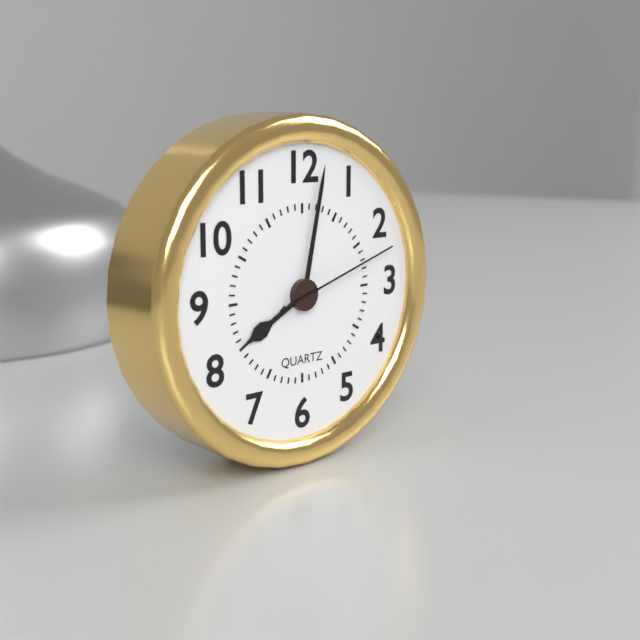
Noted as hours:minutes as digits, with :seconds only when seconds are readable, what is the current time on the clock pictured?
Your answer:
8:02:12
